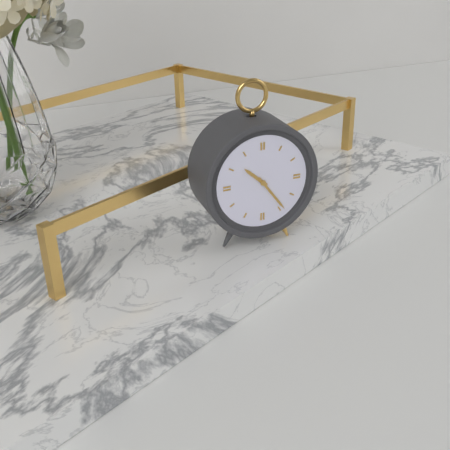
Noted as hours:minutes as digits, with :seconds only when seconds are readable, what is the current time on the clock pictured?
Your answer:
10:24
